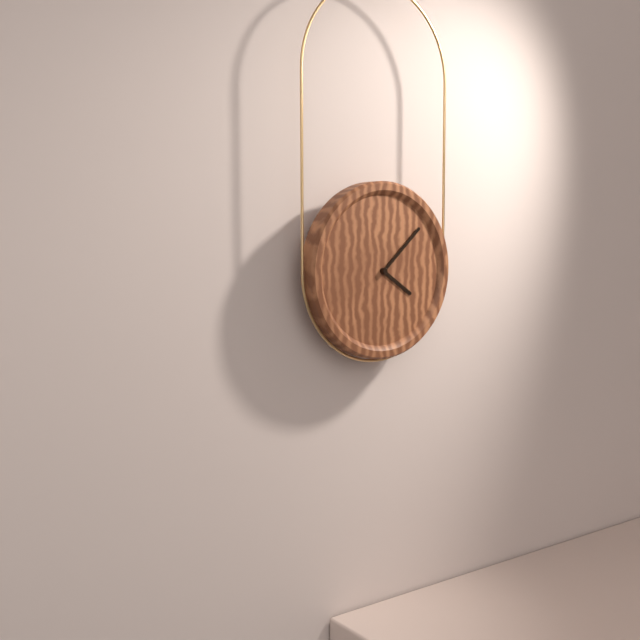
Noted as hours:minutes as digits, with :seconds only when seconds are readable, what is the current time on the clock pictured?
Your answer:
4:08
